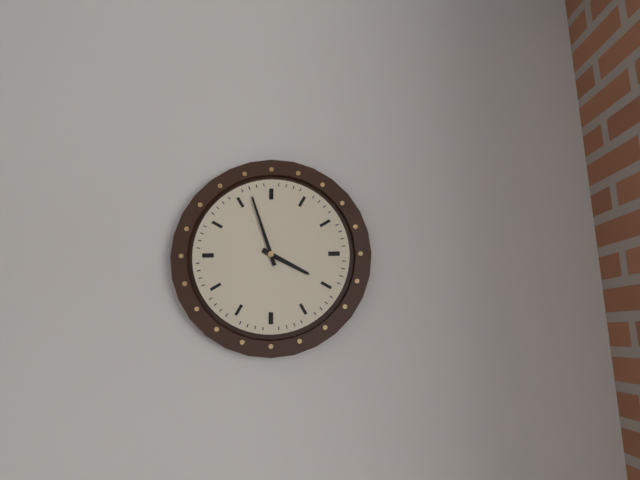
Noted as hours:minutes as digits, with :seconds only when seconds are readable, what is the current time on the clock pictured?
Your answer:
3:57
